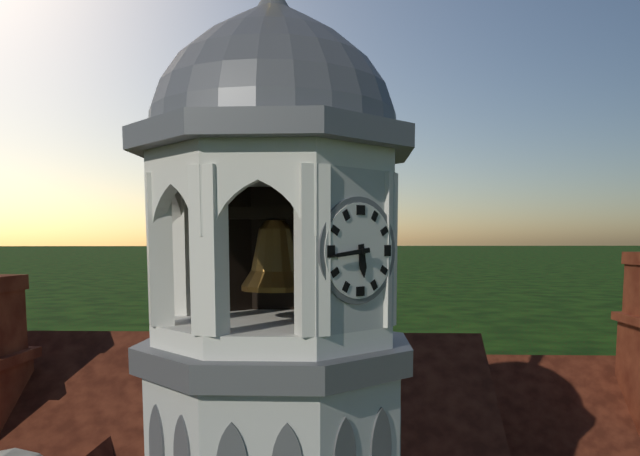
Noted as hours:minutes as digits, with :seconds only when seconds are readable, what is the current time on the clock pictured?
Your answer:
5:44
